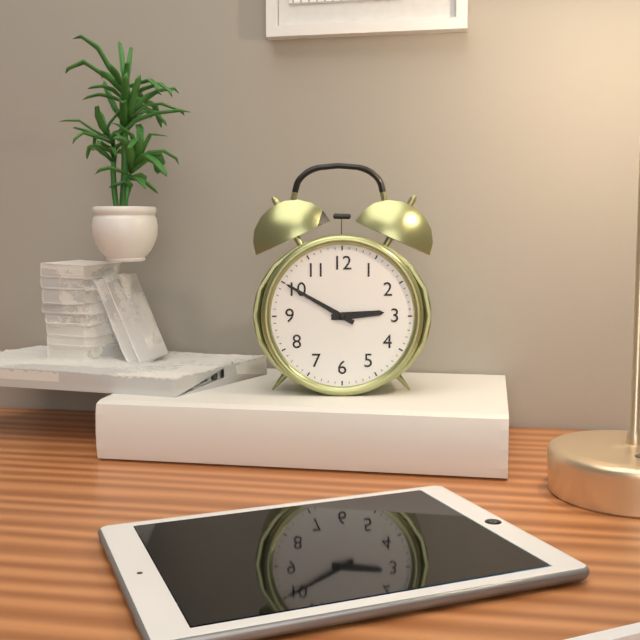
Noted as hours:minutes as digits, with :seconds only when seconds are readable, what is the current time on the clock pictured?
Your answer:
2:50
